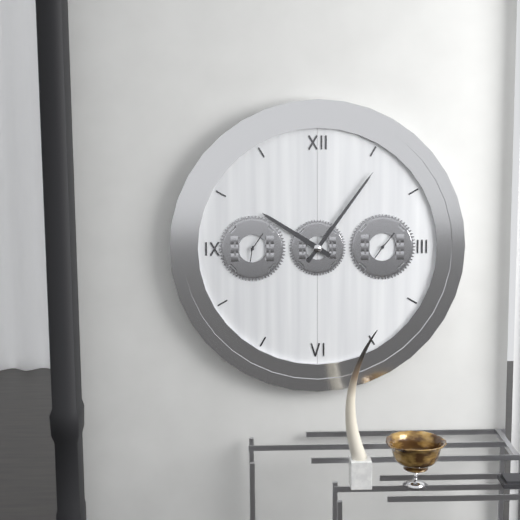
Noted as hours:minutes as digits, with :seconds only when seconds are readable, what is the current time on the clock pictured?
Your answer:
10:06
